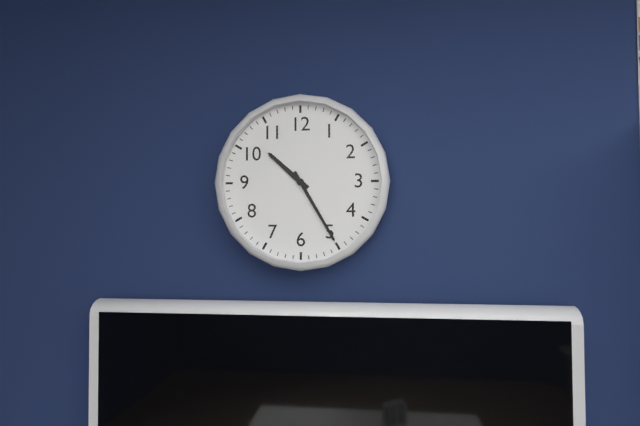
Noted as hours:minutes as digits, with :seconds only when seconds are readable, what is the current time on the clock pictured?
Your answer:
10:25
